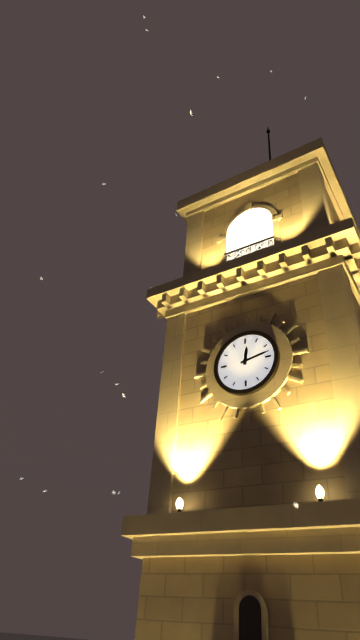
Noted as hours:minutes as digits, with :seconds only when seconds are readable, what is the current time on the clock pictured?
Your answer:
12:13
